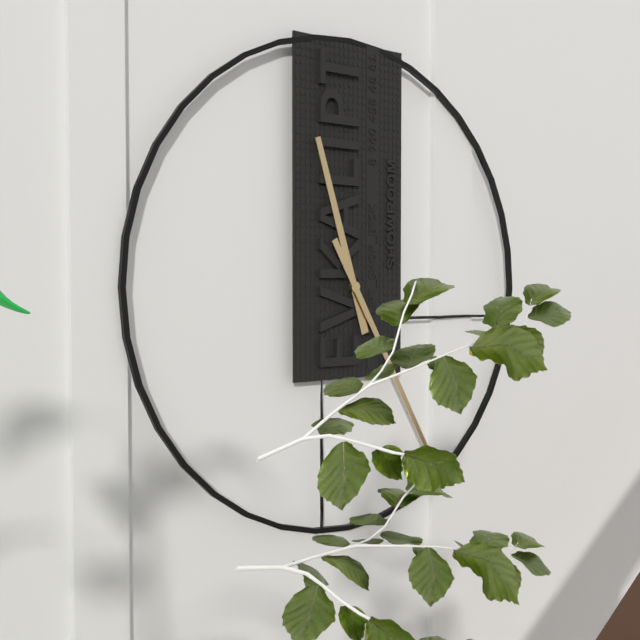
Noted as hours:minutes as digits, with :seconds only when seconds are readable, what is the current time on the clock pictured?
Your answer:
11:25
